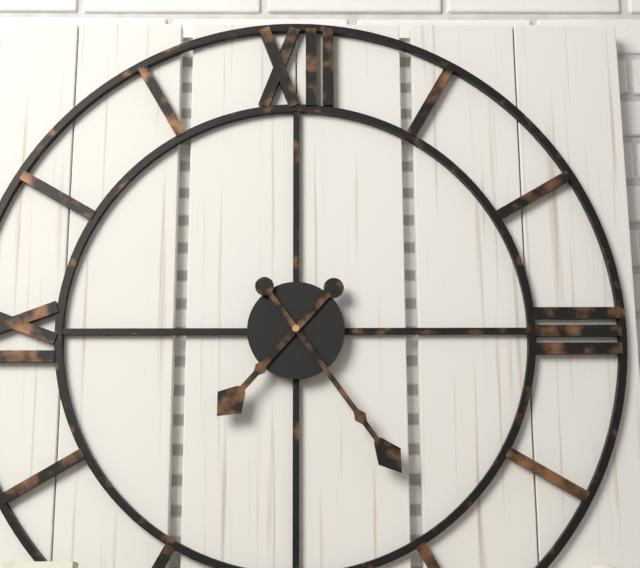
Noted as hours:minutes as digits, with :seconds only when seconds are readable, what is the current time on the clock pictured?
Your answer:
7:24
